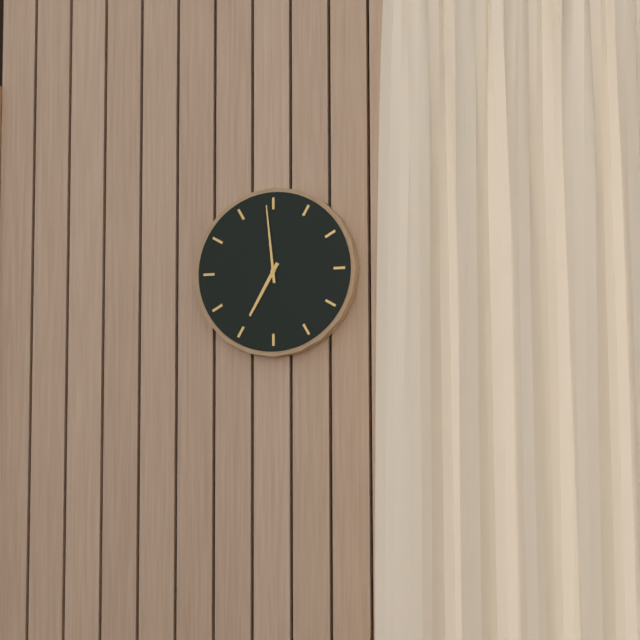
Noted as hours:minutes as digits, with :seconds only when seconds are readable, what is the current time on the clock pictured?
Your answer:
6:59
